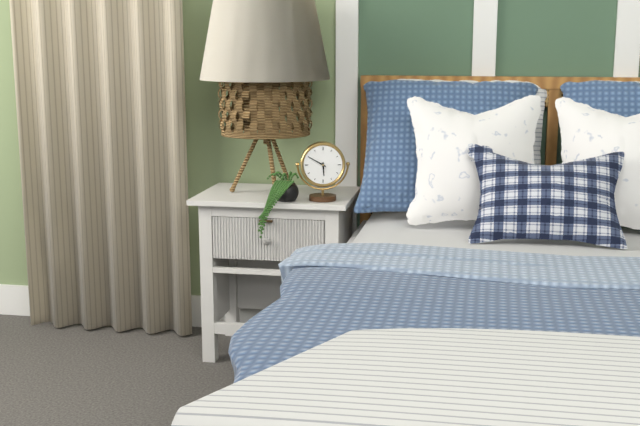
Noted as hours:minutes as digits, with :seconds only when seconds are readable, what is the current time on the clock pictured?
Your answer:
5:50
